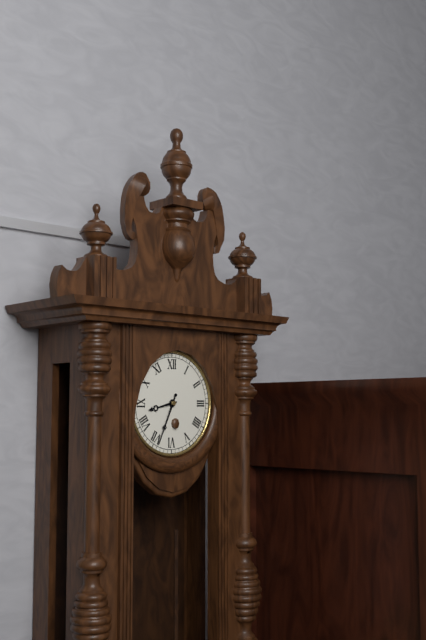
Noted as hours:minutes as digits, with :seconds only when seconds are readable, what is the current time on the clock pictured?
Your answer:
8:34
